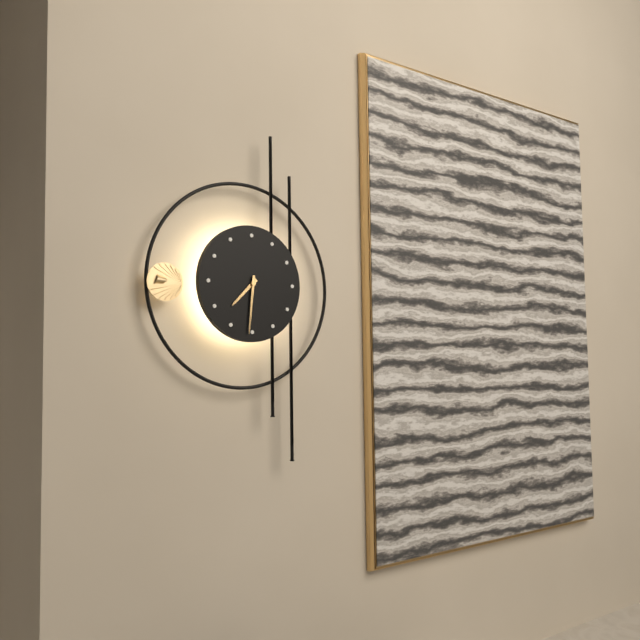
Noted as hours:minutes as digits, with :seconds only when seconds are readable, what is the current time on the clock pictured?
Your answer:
7:31
